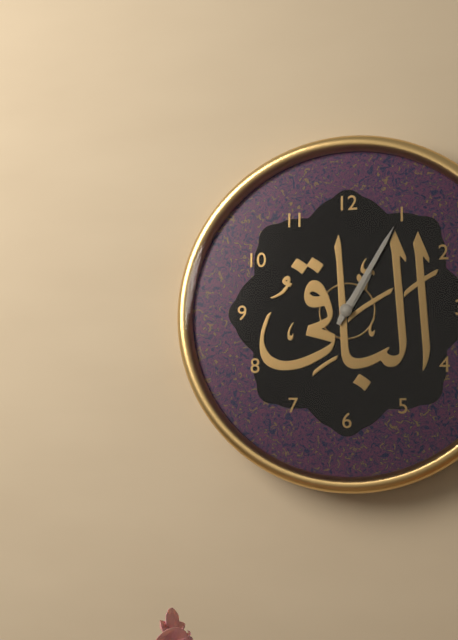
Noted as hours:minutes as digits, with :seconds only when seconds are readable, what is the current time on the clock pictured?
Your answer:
1:05
